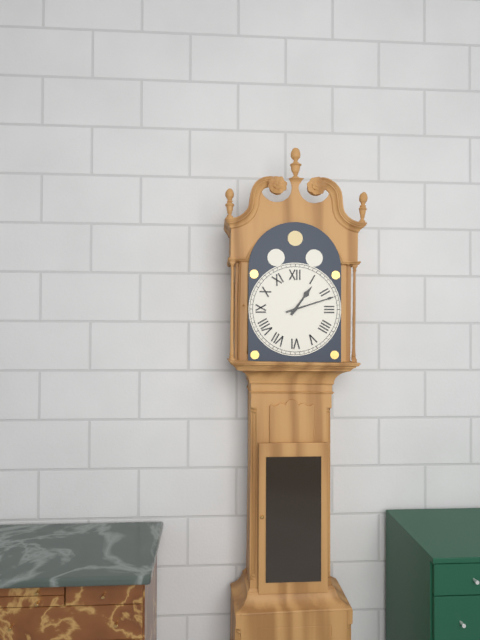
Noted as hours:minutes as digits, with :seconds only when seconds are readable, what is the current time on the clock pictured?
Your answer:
1:12
